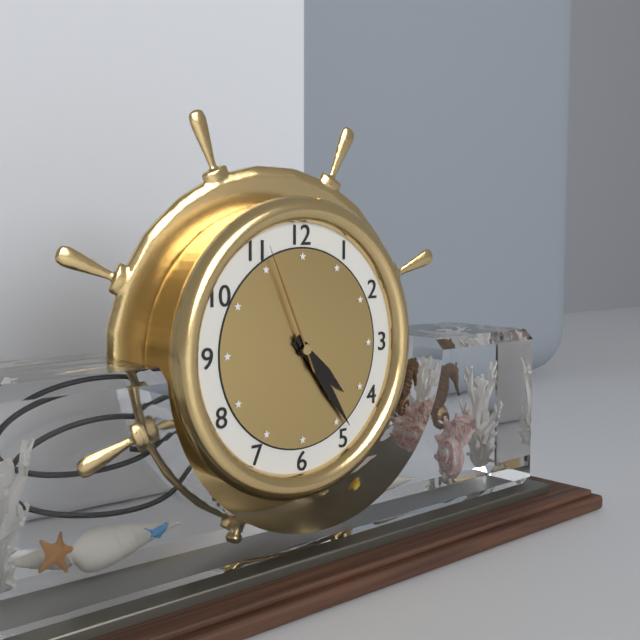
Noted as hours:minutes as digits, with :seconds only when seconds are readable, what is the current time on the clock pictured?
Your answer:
4:24:56
